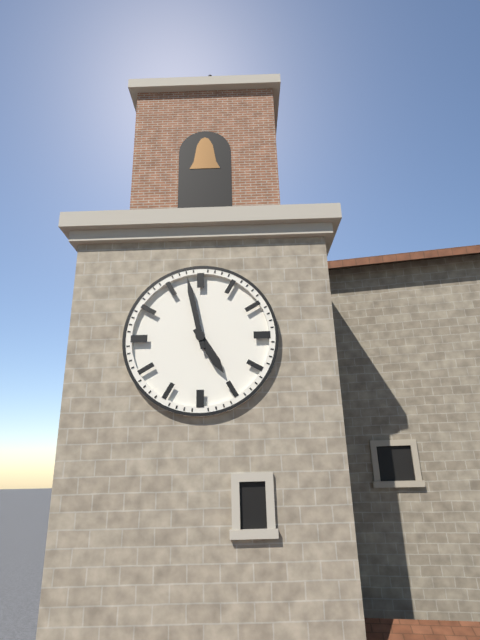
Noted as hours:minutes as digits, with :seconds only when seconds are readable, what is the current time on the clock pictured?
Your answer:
4:58
